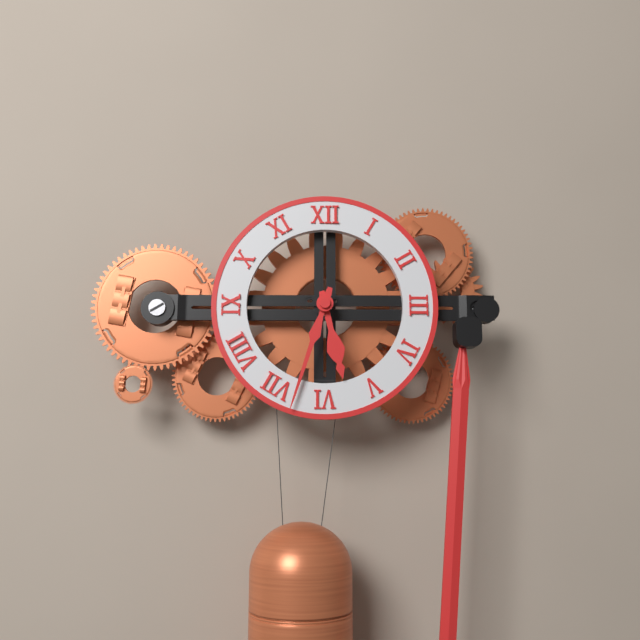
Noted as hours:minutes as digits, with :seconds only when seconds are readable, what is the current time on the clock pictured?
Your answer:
5:33
